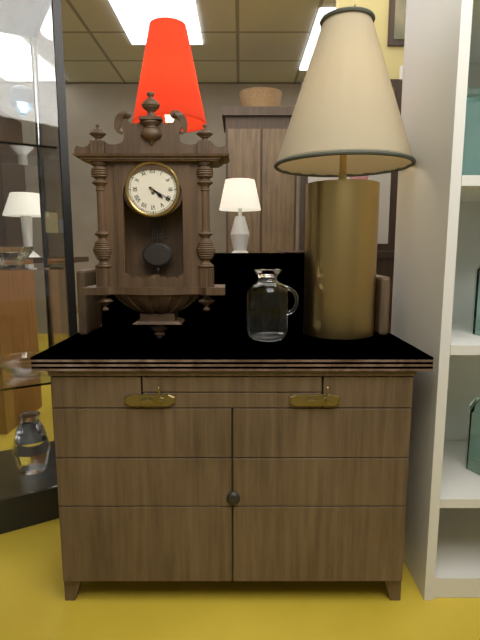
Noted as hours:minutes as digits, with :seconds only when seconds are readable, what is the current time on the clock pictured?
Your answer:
4:20
